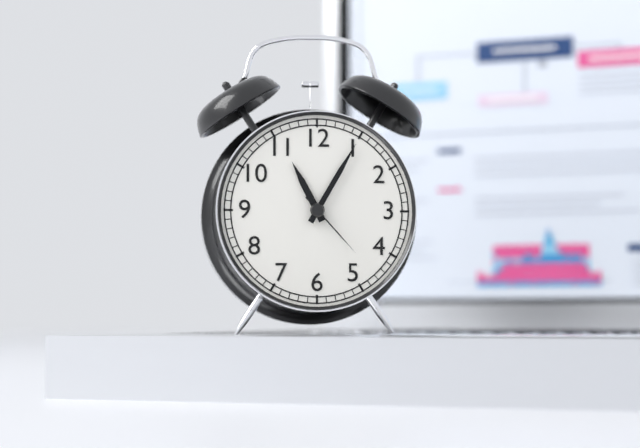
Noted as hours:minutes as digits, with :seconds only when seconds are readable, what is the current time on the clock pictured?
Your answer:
11:05:23
